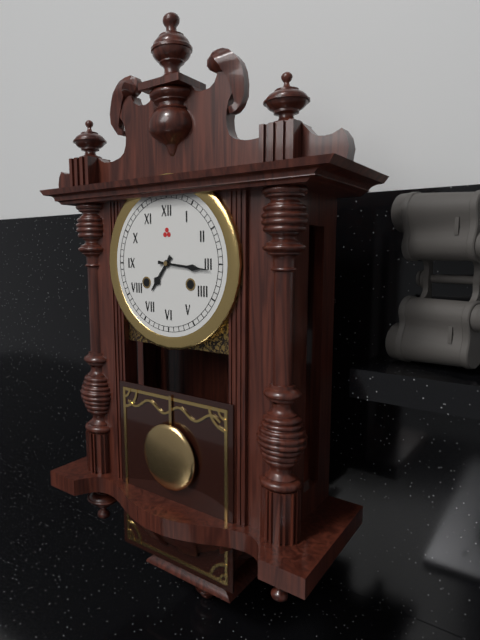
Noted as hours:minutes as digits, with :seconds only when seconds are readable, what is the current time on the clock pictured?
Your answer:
7:16
